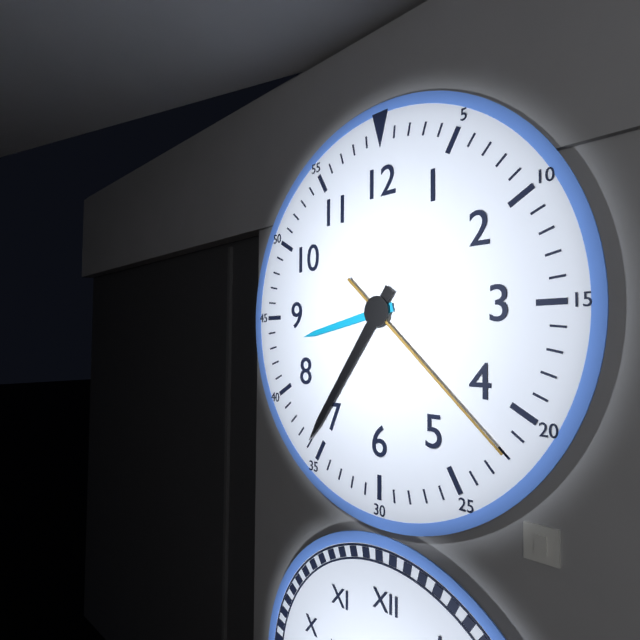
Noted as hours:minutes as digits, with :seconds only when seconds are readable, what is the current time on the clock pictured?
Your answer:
8:36:22
